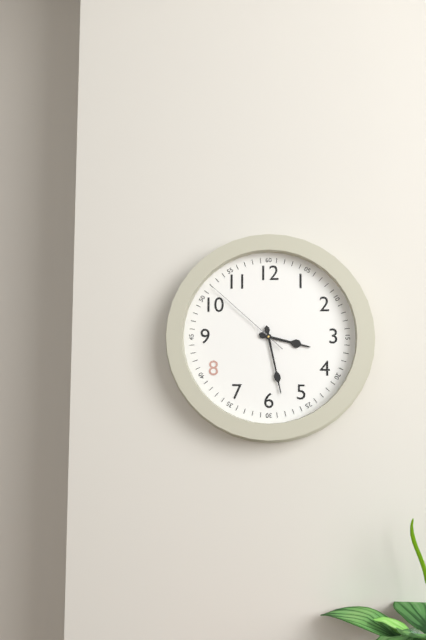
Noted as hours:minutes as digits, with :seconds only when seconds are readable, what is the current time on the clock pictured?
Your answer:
3:28:52
